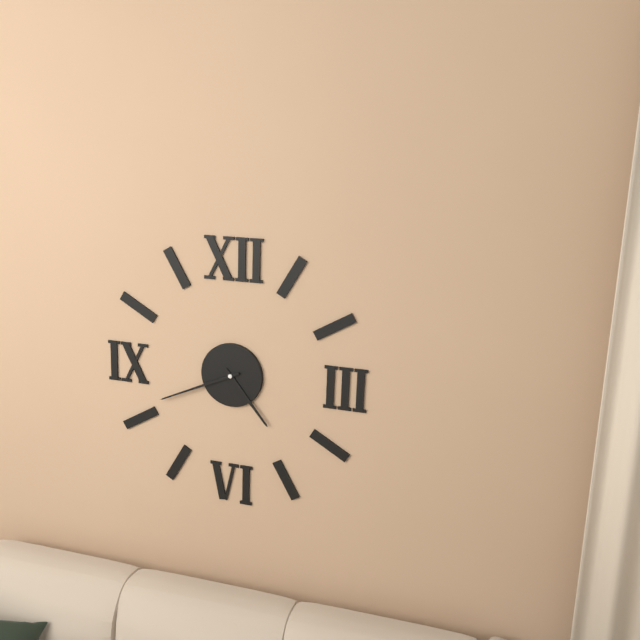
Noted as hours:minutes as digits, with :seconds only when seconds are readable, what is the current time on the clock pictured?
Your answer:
4:41
